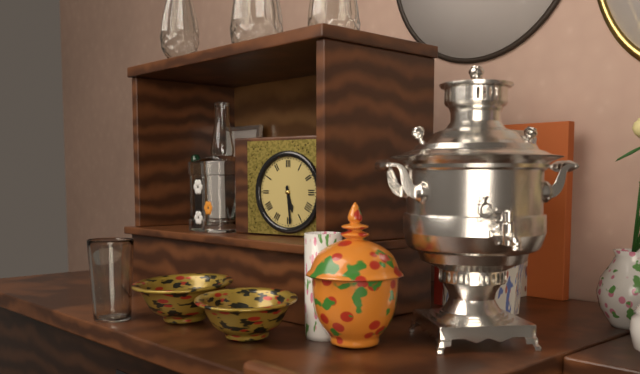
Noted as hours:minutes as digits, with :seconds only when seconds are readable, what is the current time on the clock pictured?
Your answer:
5:29
